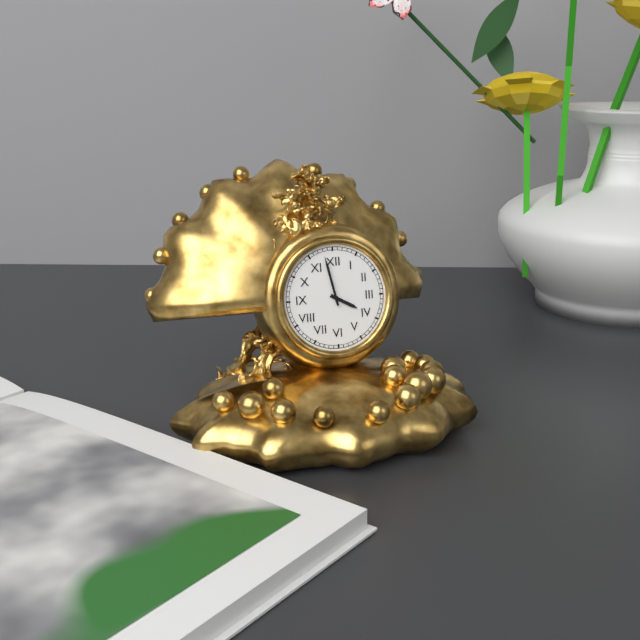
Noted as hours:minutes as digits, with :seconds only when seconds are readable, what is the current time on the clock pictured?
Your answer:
3:58
